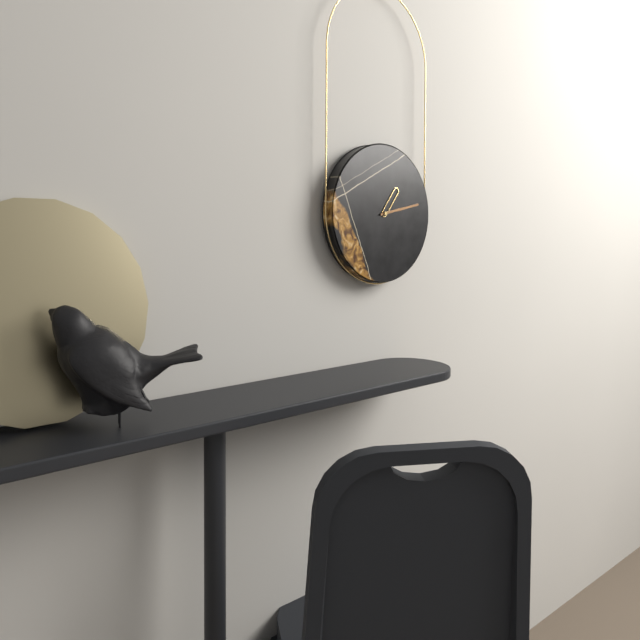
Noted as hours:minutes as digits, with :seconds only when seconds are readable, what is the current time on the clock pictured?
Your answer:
1:13
